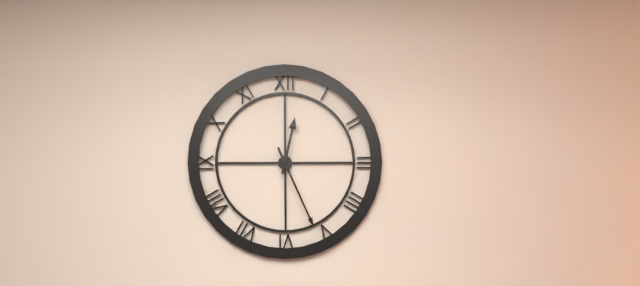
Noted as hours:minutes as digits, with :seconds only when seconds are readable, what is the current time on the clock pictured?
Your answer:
12:26
